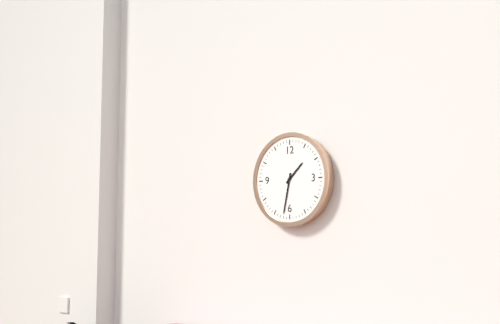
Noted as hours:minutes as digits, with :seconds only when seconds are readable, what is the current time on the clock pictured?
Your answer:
1:32
